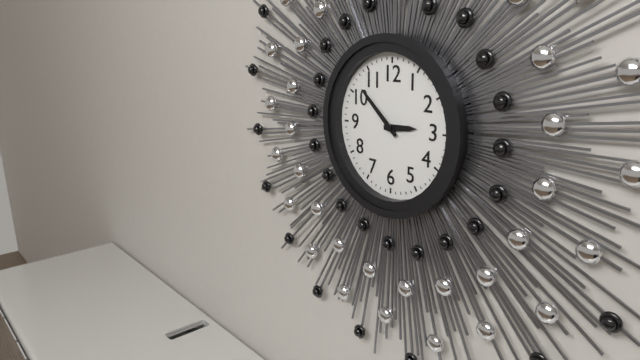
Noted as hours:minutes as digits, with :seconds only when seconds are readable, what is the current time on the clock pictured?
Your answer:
2:52
